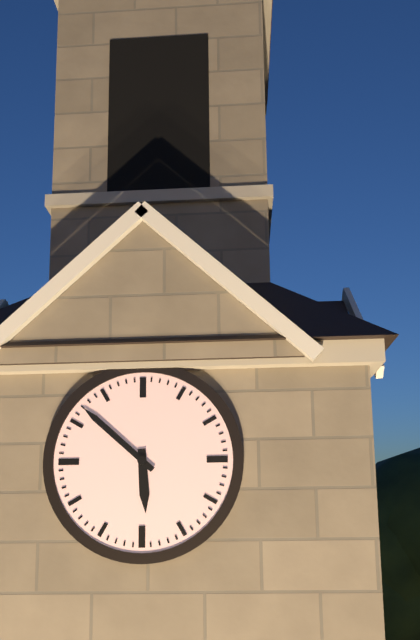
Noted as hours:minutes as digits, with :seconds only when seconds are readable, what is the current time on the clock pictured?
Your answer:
5:52
